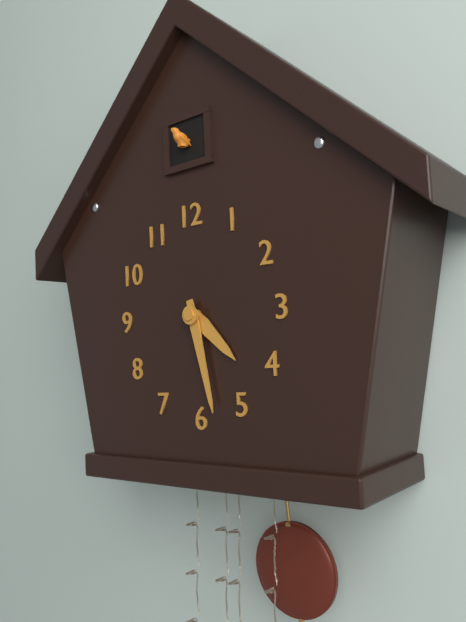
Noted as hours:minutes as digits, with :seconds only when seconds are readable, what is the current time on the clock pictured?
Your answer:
4:28
